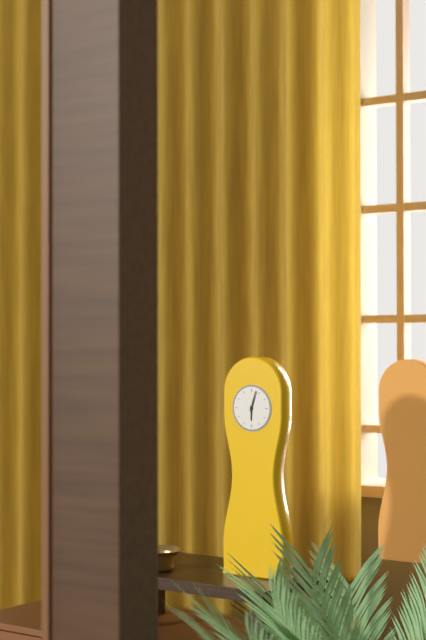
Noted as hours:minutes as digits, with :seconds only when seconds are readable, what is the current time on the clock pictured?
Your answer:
6:03
